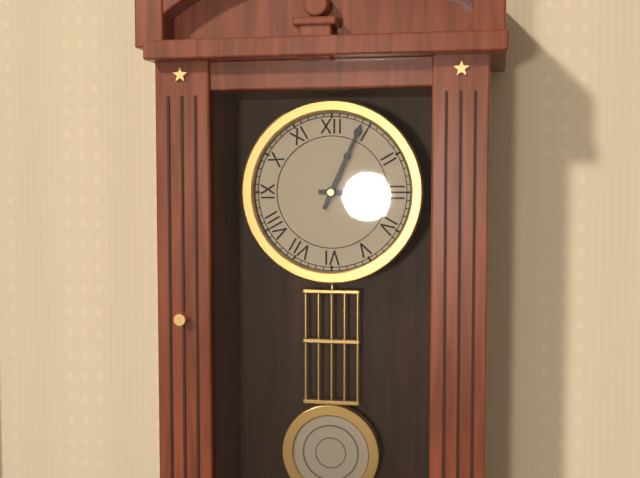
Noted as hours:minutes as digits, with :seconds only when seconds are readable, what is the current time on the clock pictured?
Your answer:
3:04
